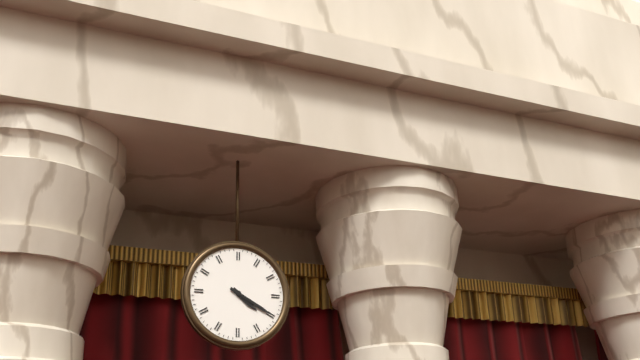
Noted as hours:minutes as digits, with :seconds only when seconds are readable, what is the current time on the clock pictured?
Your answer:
4:20
